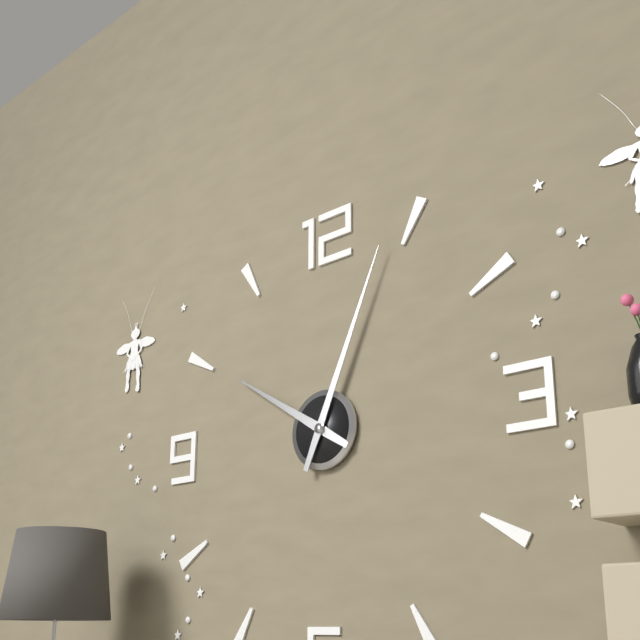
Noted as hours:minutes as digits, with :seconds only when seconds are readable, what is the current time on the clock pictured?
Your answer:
10:04
